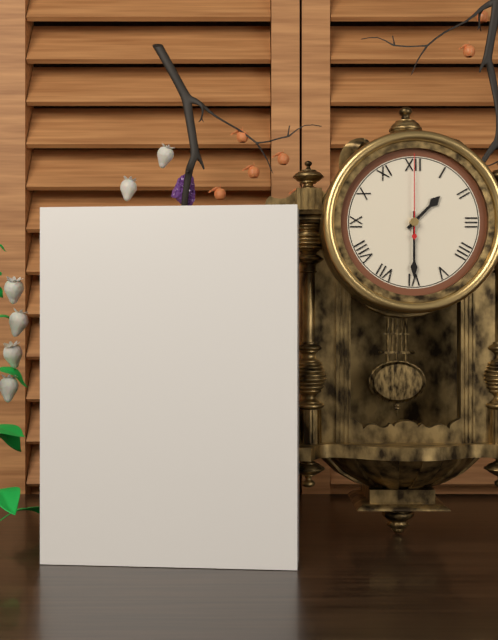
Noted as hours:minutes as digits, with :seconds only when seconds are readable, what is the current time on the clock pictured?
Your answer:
1:30:00
